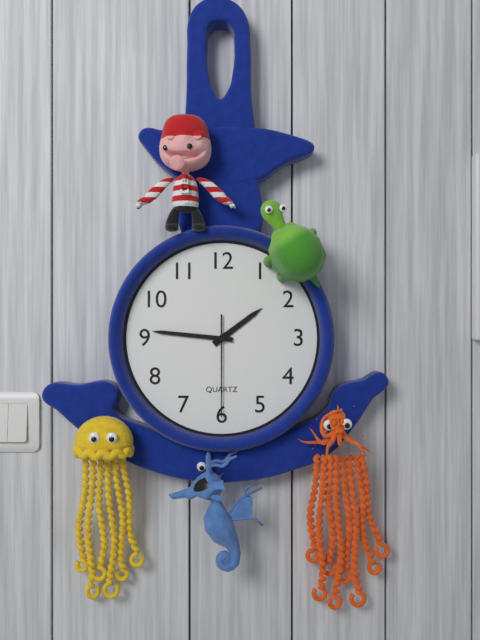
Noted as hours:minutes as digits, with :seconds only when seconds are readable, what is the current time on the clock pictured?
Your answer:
1:46:30
